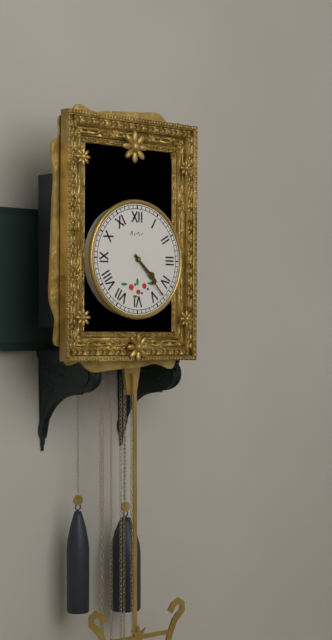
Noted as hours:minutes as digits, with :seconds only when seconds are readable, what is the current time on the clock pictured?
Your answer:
4:23
